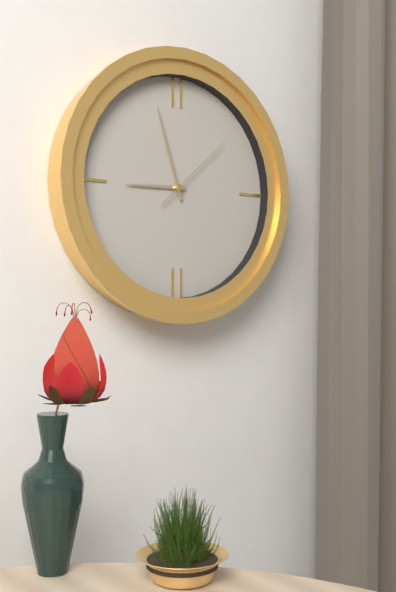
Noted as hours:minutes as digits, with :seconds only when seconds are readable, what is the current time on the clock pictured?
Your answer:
8:57:08
